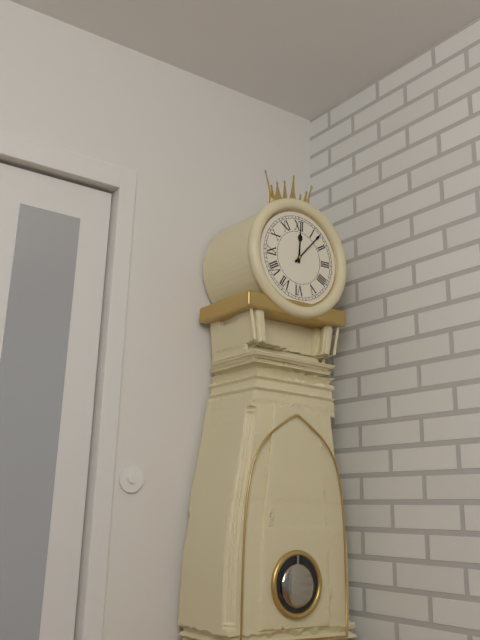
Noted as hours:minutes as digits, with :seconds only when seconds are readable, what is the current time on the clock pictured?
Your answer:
12:07
